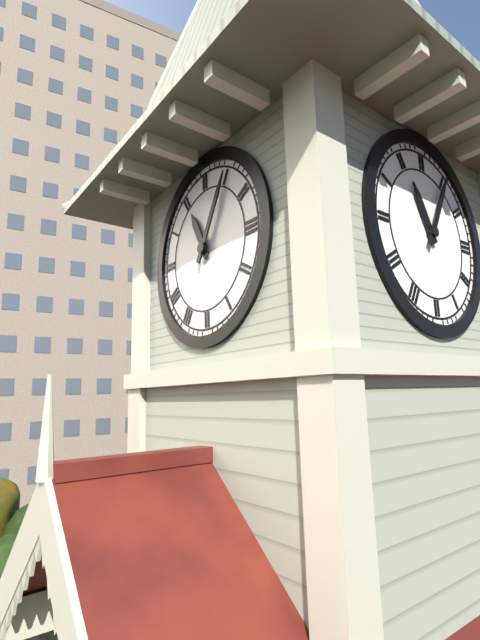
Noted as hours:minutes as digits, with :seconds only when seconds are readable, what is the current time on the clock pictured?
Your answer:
11:05
